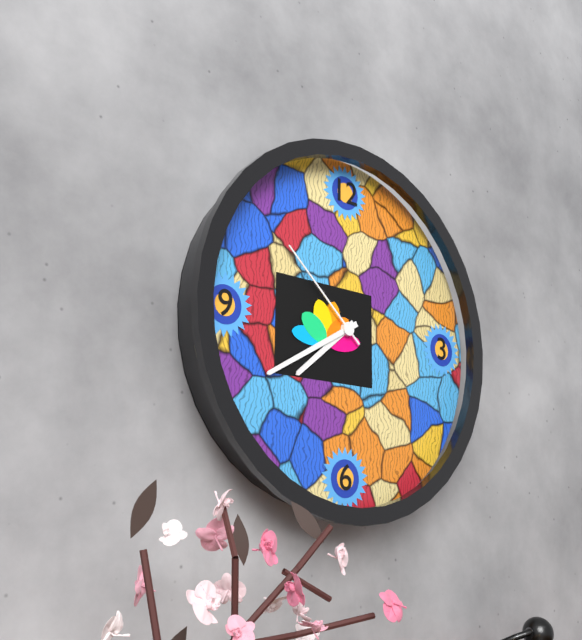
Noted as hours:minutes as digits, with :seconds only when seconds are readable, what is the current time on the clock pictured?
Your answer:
7:40:52
